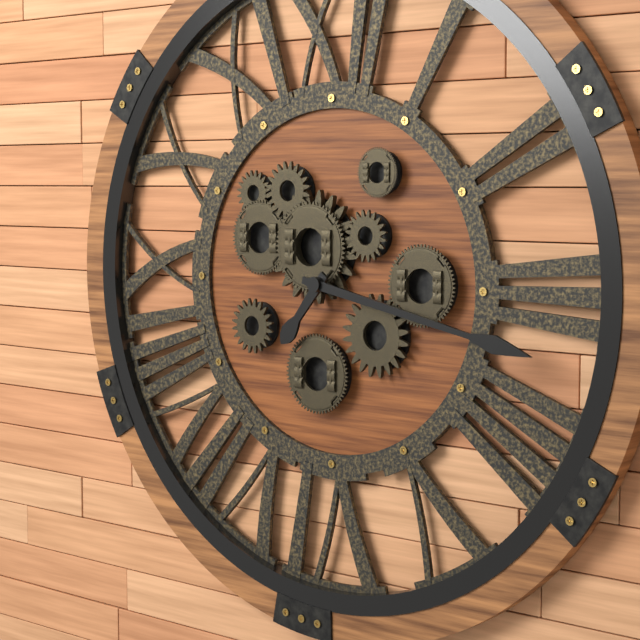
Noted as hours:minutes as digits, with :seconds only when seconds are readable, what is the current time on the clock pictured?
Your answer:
7:17
